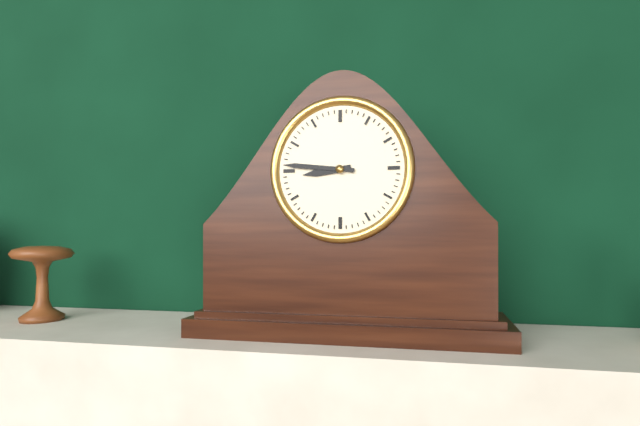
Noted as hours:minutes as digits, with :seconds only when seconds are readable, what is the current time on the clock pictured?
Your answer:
8:46
